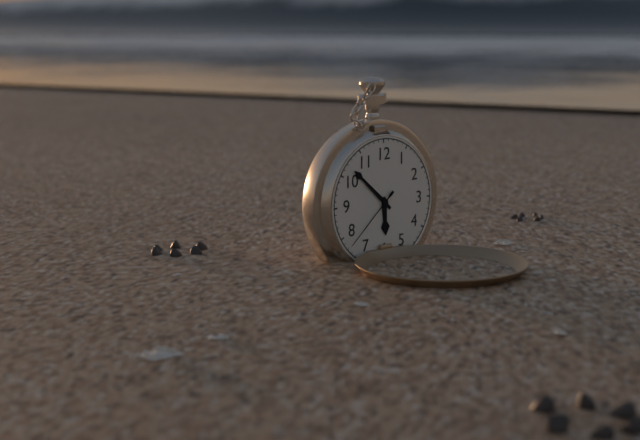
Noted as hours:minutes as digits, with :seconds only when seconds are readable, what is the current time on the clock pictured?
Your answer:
5:52:38
